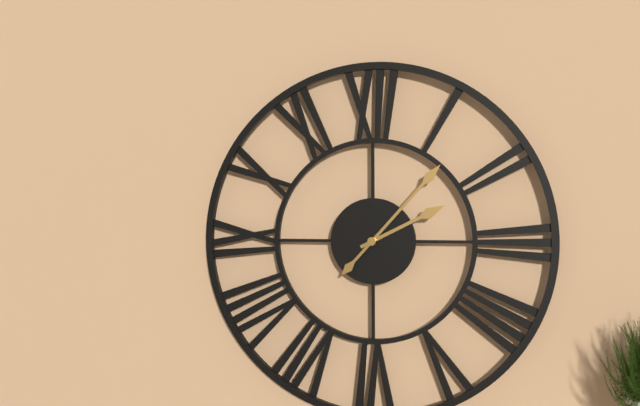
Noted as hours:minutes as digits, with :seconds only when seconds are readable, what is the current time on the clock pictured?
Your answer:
2:07
